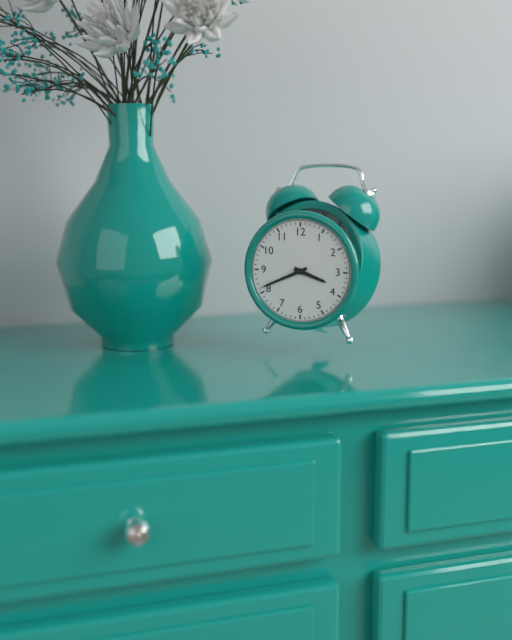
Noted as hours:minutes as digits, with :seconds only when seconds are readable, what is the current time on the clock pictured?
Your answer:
3:41
